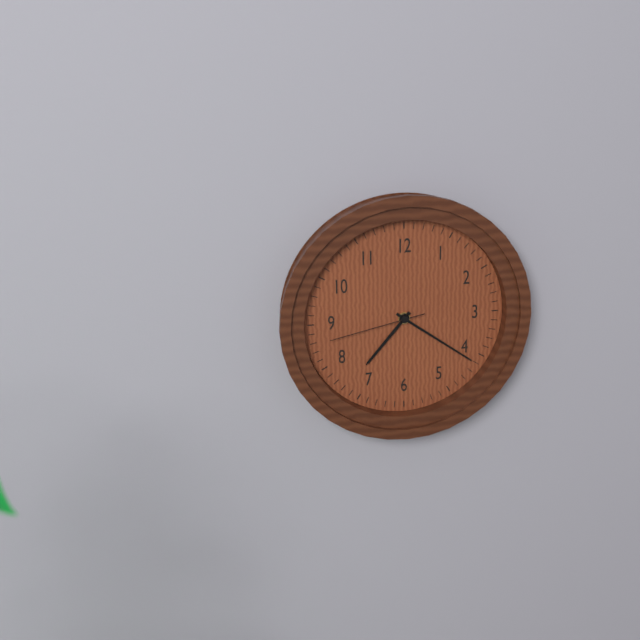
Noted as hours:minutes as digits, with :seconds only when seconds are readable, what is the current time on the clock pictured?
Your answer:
7:21:43
